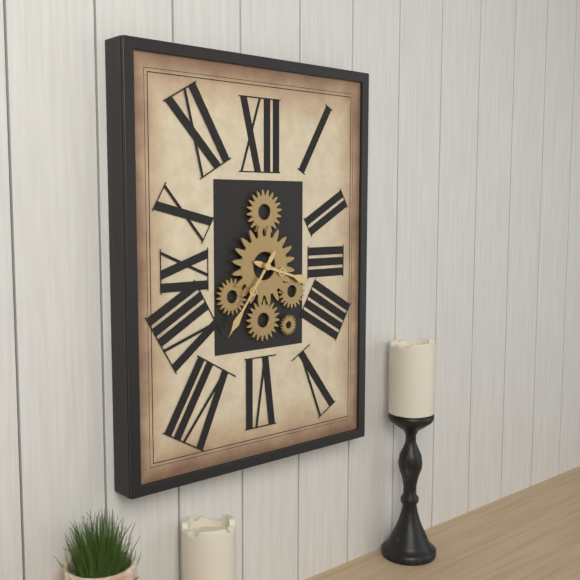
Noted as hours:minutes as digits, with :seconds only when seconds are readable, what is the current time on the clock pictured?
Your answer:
3:36
